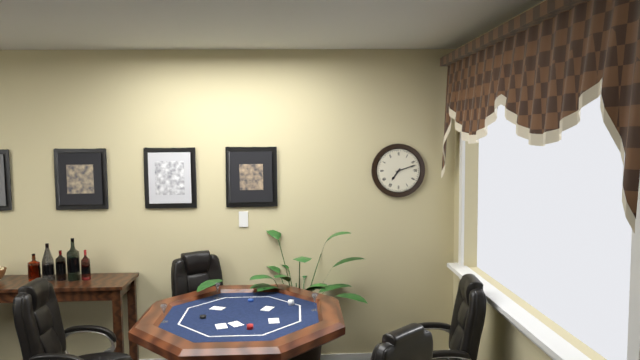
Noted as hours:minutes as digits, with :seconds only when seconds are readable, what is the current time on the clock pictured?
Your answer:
7:12
